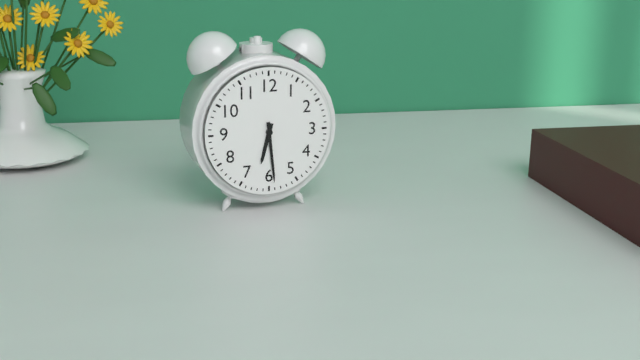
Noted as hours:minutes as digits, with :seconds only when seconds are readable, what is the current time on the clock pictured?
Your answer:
6:29
